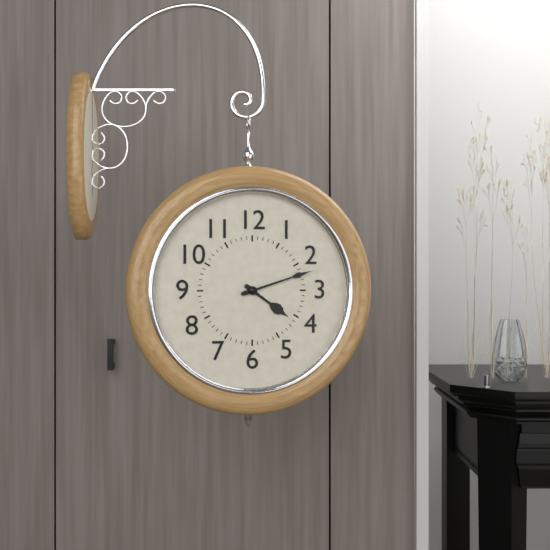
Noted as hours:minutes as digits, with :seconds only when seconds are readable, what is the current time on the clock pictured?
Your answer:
4:12
